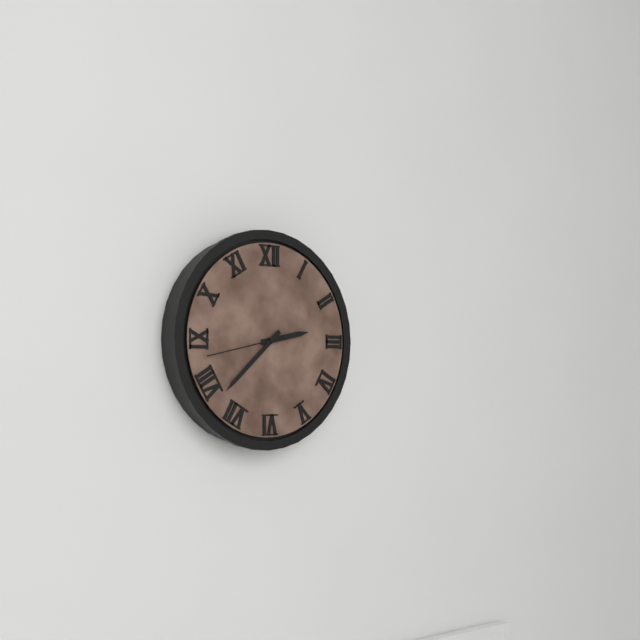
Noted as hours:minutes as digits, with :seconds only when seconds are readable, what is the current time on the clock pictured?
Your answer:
2:38:43
